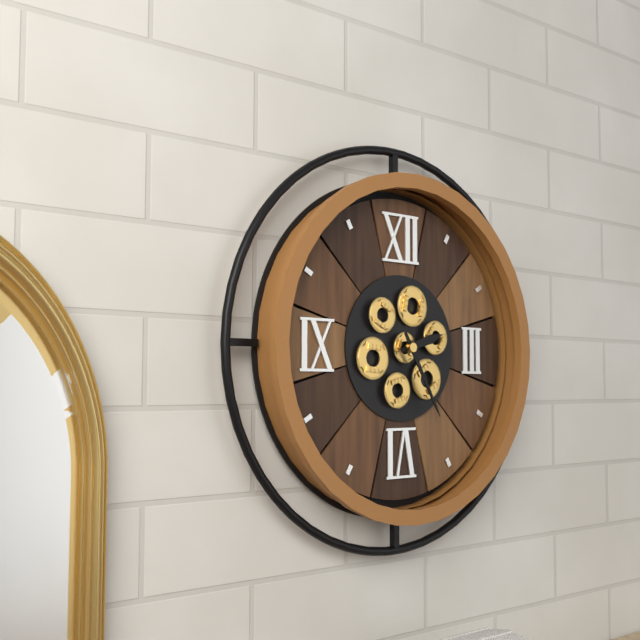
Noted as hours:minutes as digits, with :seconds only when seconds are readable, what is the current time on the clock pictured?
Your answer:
2:25
